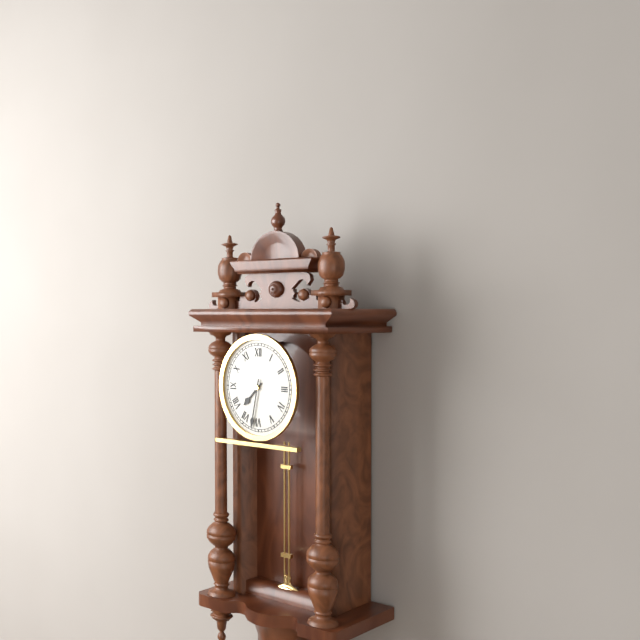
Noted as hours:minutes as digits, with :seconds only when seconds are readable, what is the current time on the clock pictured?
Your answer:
7:32
